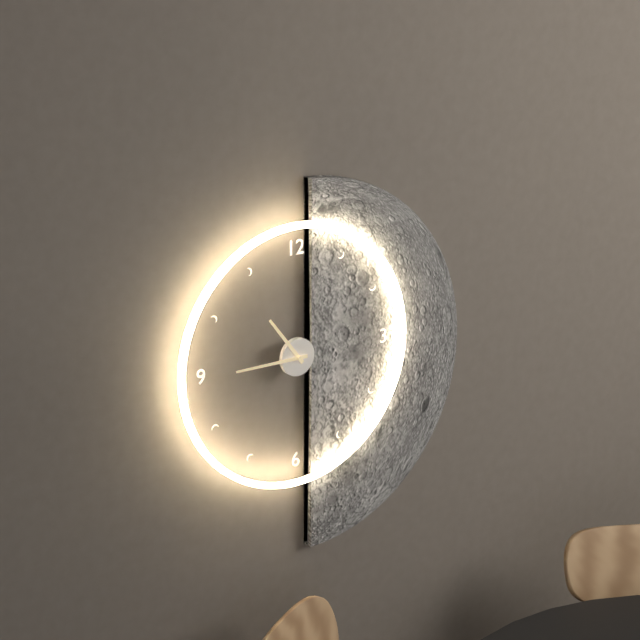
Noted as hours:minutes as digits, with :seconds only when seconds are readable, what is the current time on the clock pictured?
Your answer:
10:45
